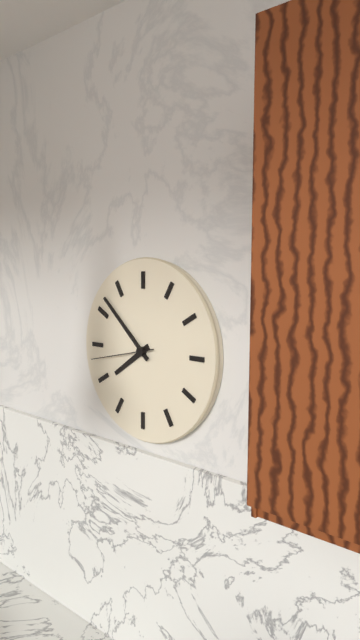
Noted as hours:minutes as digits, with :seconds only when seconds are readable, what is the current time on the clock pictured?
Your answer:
7:52:43
